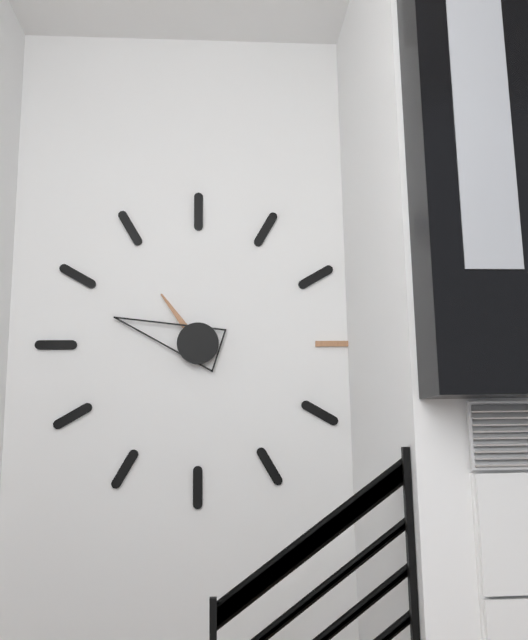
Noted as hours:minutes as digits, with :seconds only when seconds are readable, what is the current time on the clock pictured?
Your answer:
10:48
